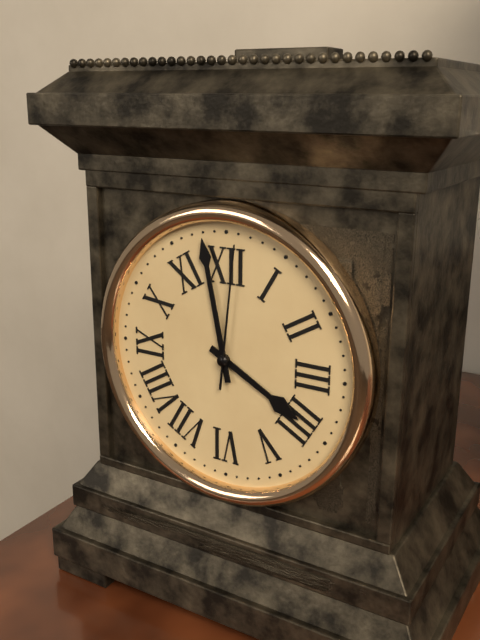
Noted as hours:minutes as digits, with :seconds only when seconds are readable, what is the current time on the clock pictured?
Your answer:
3:58:01
